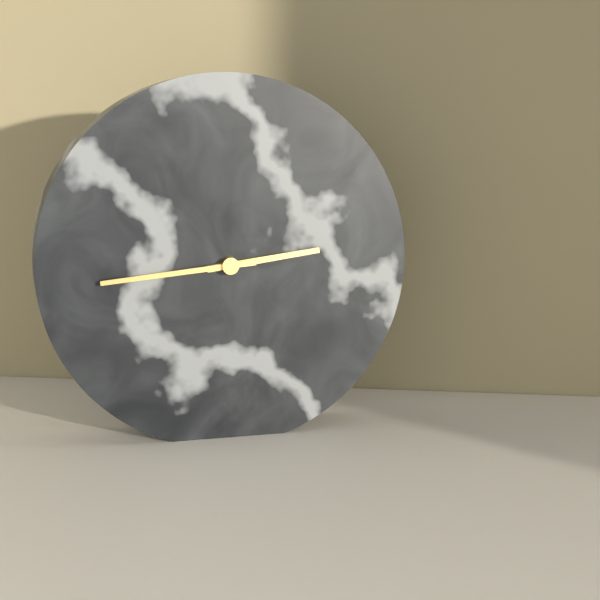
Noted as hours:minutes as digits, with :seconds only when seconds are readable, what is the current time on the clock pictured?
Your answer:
2:44
